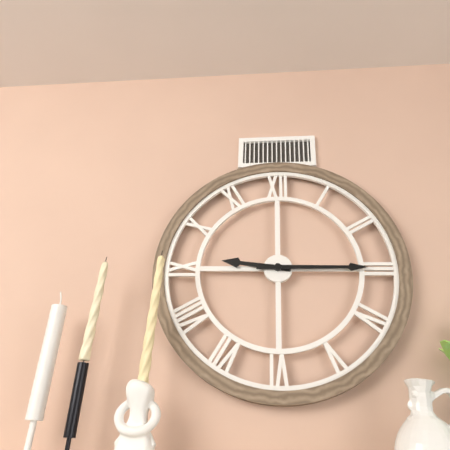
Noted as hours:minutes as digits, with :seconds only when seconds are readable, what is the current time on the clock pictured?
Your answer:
9:15
